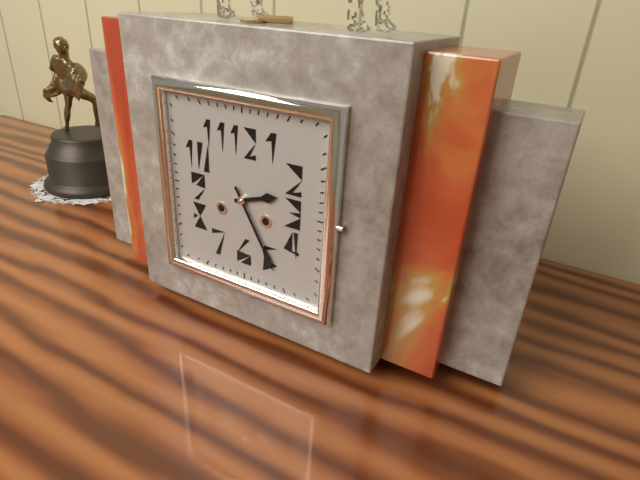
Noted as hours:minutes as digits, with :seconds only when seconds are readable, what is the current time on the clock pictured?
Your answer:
2:25
